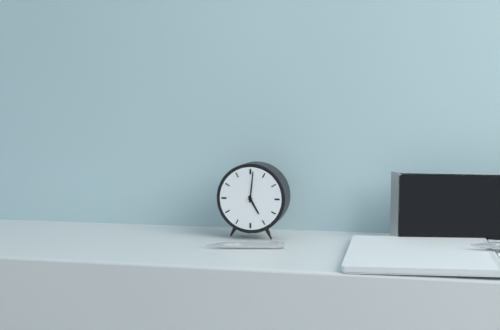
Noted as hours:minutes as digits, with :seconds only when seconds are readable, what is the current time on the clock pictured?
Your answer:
5:01
